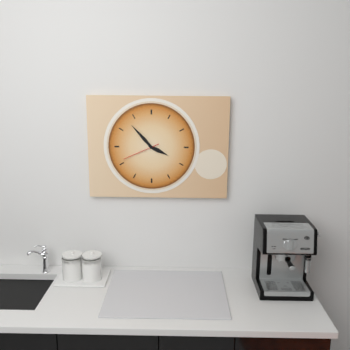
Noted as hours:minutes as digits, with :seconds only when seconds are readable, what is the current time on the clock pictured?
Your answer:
3:53
